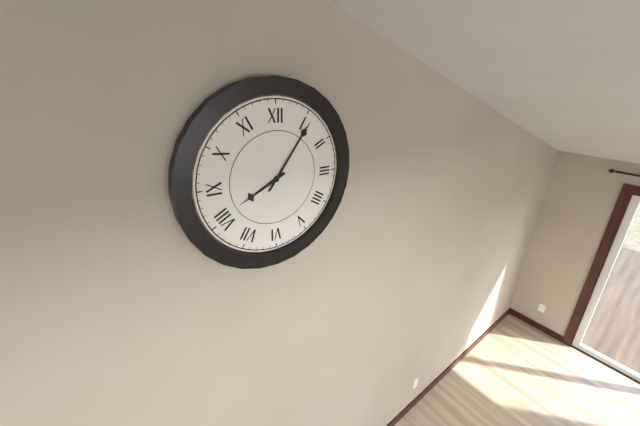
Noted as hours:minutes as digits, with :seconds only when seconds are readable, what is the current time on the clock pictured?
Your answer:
8:06
